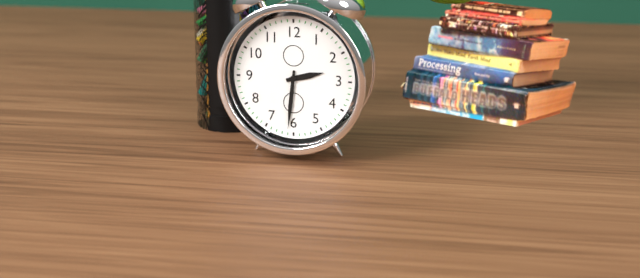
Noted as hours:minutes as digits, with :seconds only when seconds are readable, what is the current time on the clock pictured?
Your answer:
2:31
